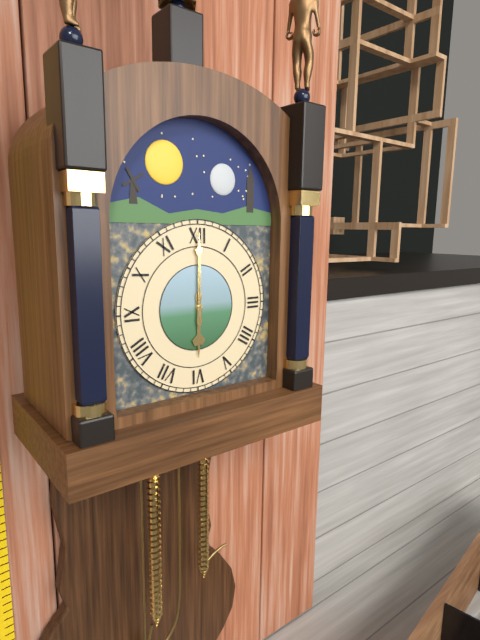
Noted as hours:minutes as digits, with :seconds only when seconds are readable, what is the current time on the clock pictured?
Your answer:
6:00
